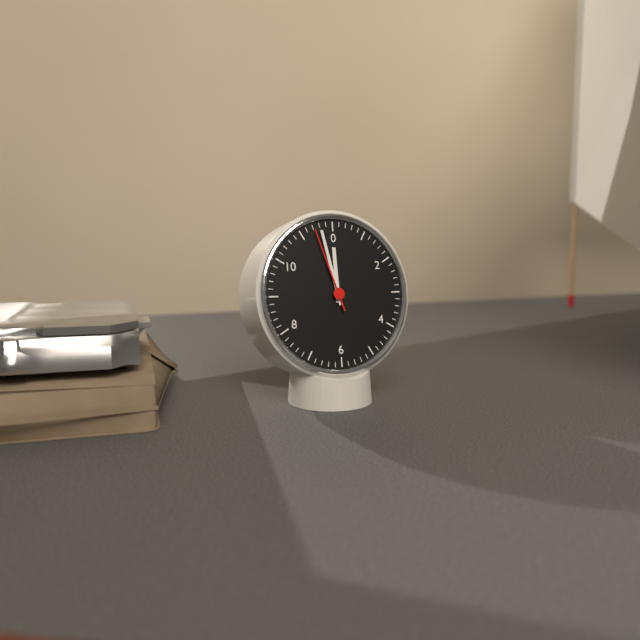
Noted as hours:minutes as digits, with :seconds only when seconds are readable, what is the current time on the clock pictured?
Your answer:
11:58:57
